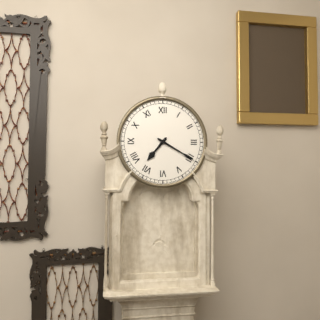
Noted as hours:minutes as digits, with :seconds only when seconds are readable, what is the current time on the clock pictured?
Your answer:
7:20
